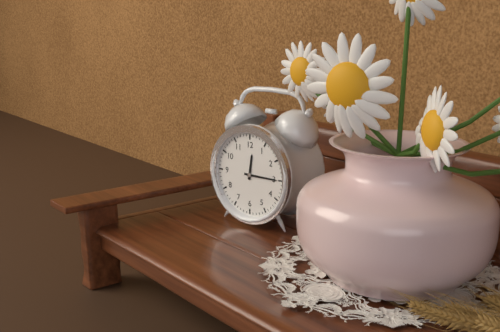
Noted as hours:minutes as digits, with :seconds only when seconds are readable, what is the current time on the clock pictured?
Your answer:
12:15
